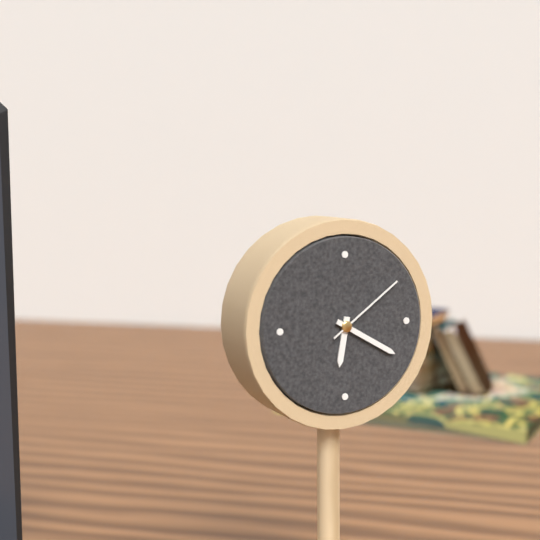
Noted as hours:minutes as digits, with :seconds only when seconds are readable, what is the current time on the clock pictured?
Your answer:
6:20:09
